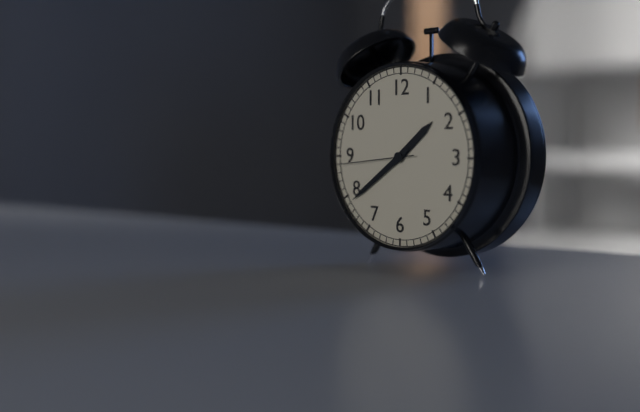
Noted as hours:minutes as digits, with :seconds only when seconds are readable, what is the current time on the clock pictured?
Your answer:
1:39:44
